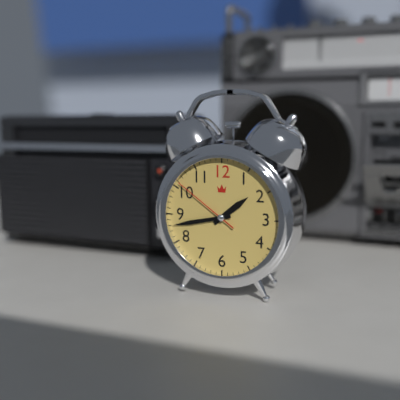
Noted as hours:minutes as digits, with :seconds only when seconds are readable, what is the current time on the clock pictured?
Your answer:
1:43:51
